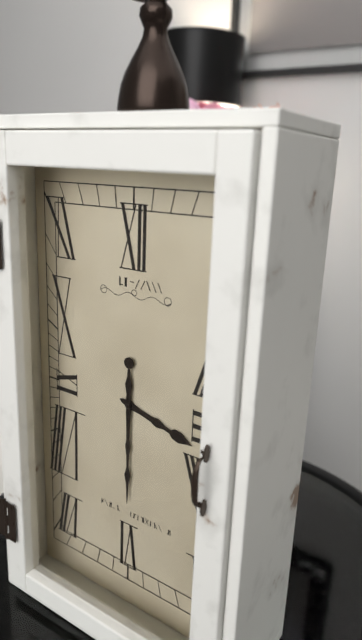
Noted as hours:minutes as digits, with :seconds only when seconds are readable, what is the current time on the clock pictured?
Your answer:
3:30
